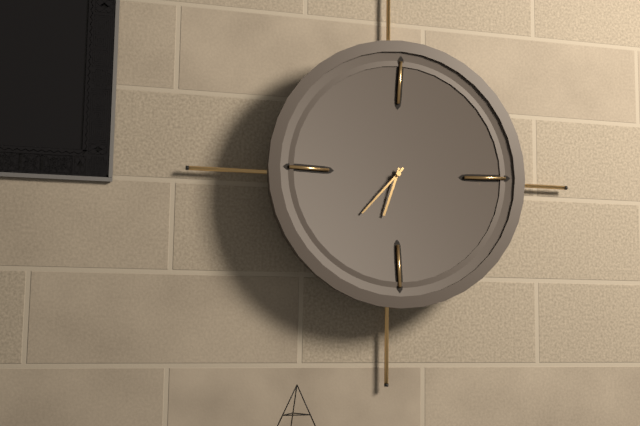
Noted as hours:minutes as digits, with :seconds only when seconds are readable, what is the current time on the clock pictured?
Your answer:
6:37
